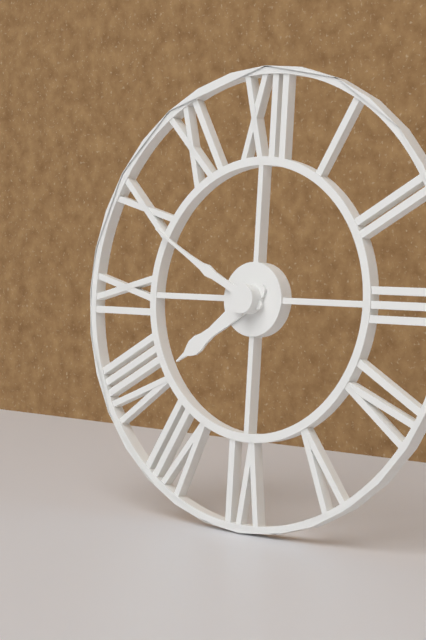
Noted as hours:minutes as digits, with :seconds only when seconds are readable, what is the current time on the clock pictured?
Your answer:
7:49
